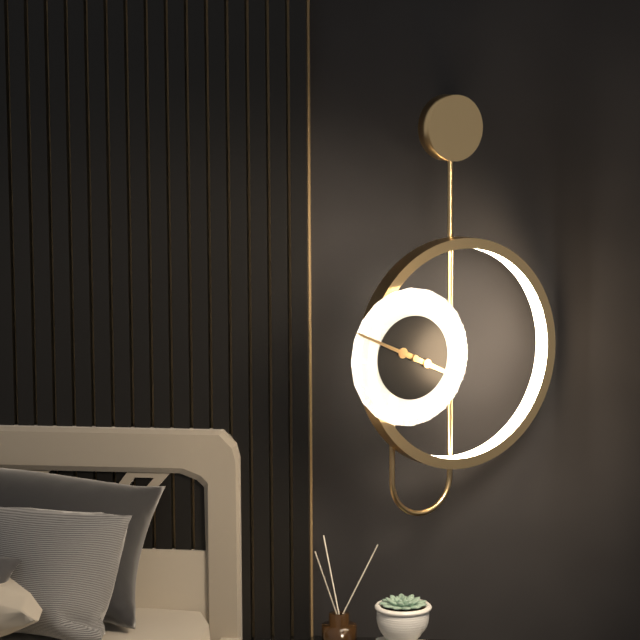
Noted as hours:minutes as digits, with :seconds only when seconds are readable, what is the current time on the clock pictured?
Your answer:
3:49
